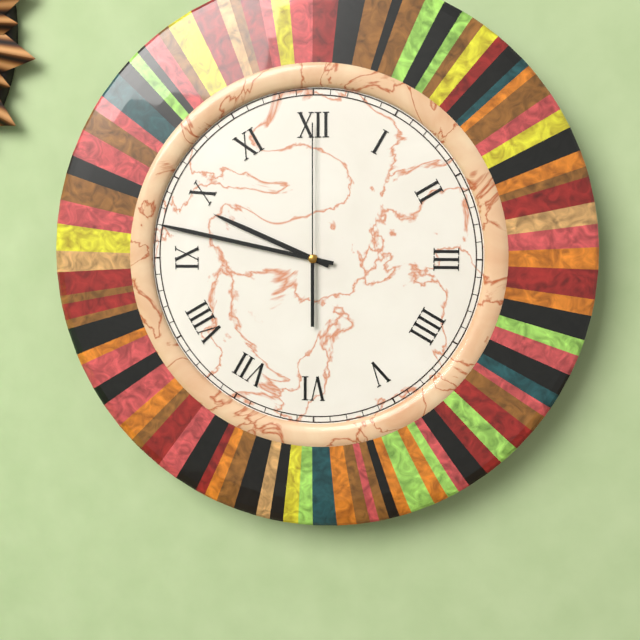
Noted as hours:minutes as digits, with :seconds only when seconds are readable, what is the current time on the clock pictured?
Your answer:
9:47:00
